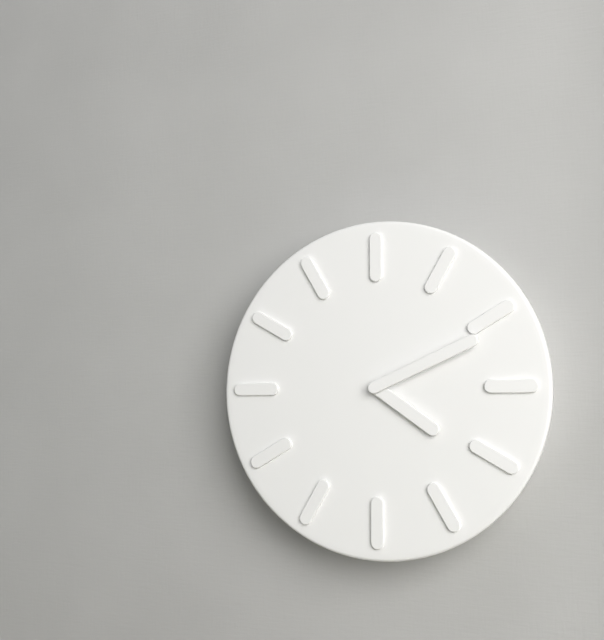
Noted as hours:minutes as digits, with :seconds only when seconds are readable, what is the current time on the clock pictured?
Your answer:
4:11
